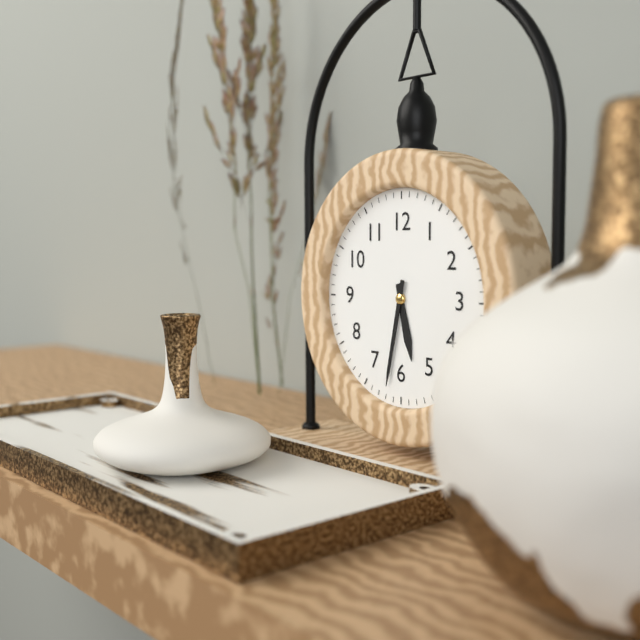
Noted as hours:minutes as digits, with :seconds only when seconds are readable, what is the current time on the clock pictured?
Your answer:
5:32
